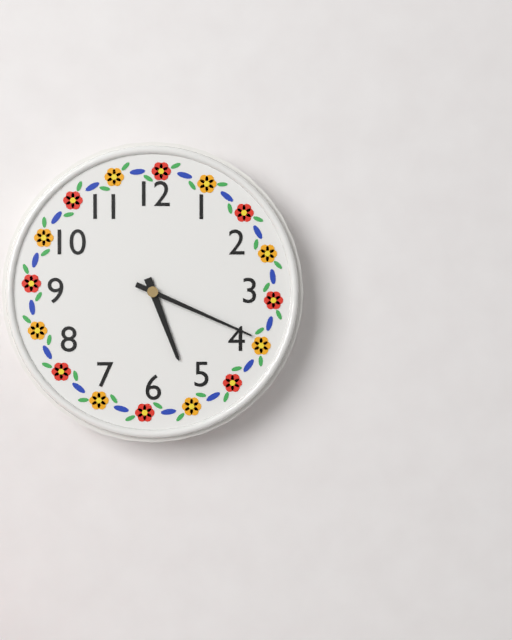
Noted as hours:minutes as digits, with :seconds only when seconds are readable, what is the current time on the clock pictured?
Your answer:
5:19
